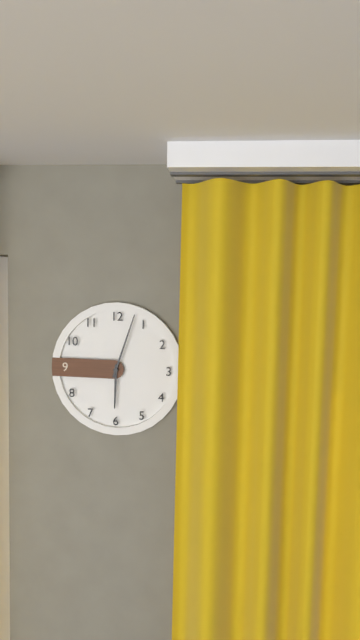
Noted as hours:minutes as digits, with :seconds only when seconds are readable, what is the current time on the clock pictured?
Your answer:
6:03
